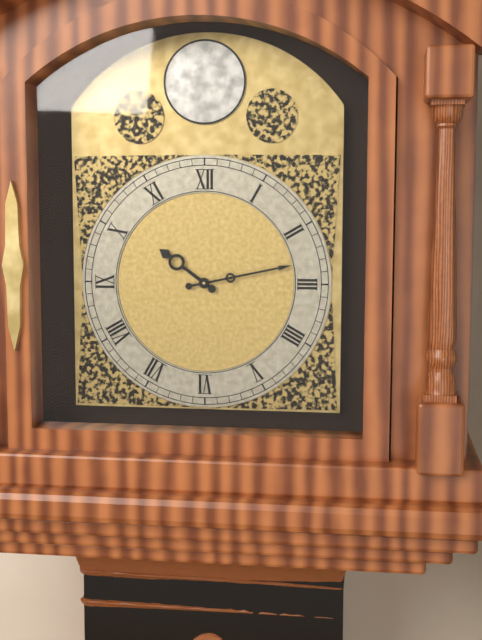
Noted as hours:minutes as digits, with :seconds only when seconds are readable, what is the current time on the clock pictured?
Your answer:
10:13
